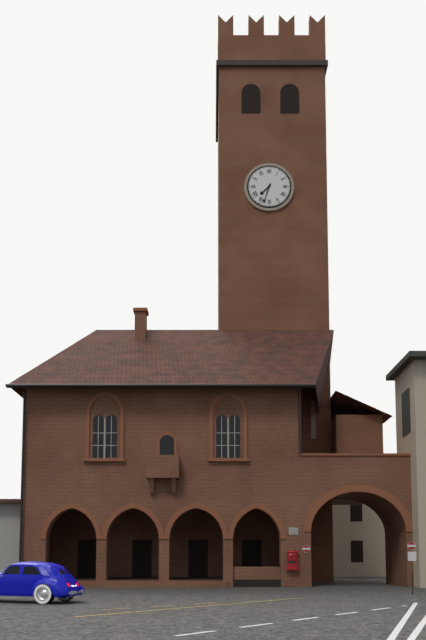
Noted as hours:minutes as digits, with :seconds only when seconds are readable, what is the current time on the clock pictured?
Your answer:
7:33
